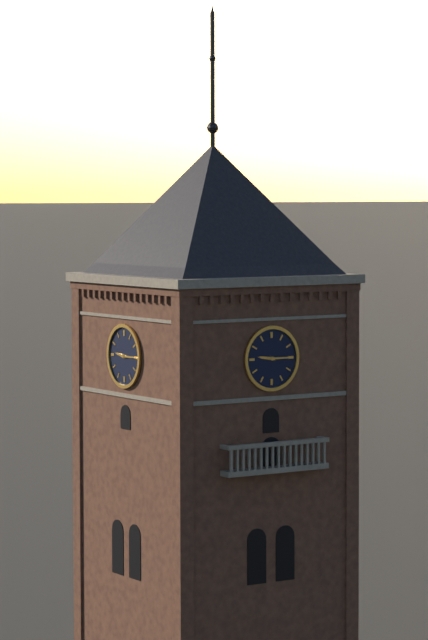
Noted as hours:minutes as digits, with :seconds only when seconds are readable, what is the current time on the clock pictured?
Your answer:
9:15
